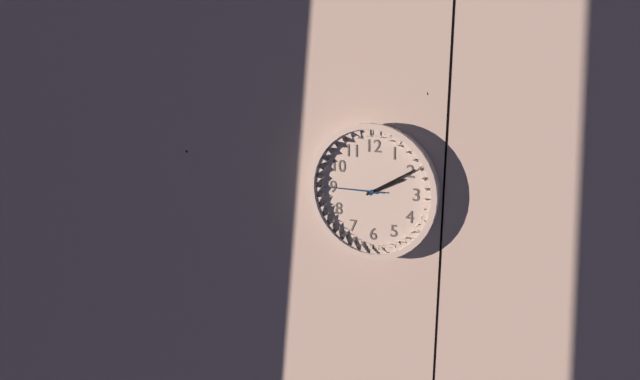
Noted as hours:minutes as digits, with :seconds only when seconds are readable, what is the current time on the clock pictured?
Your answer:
2:10:45
